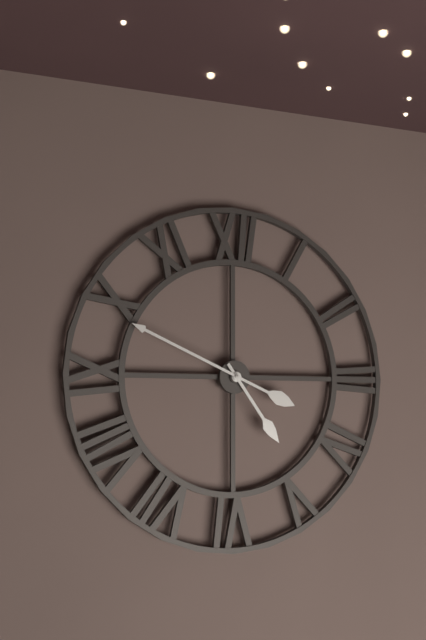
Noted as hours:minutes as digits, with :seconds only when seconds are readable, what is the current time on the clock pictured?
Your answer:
4:49
